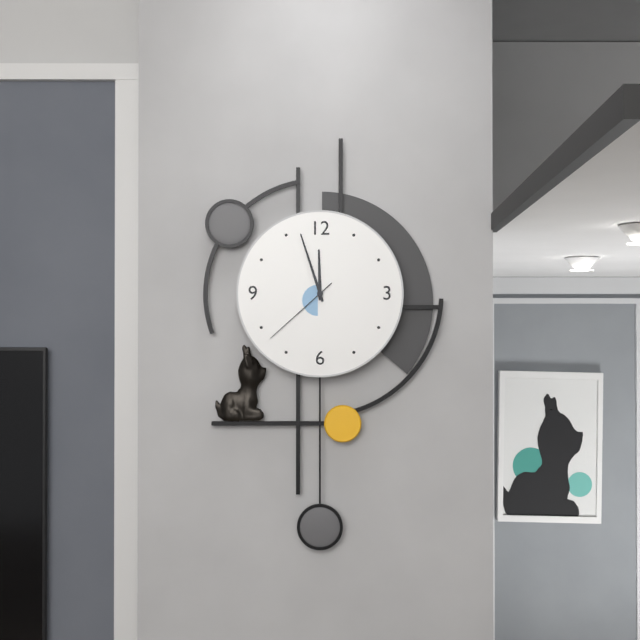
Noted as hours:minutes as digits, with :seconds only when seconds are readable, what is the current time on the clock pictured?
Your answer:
11:57:38
